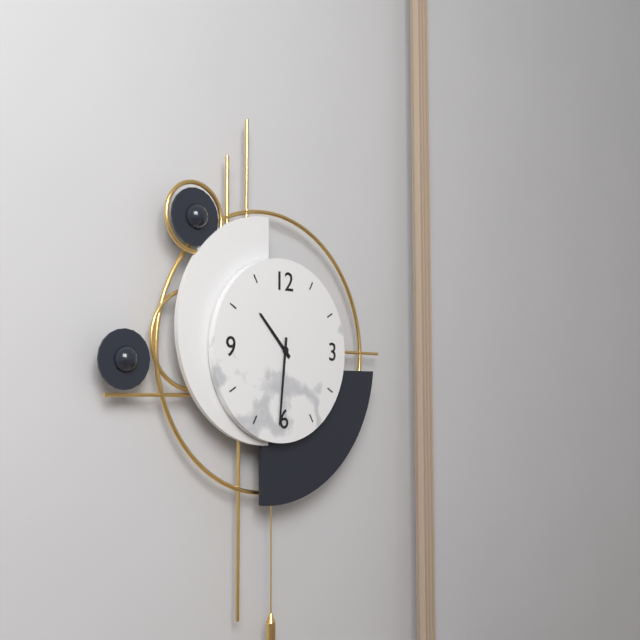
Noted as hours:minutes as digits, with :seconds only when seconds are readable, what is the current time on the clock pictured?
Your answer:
10:31
